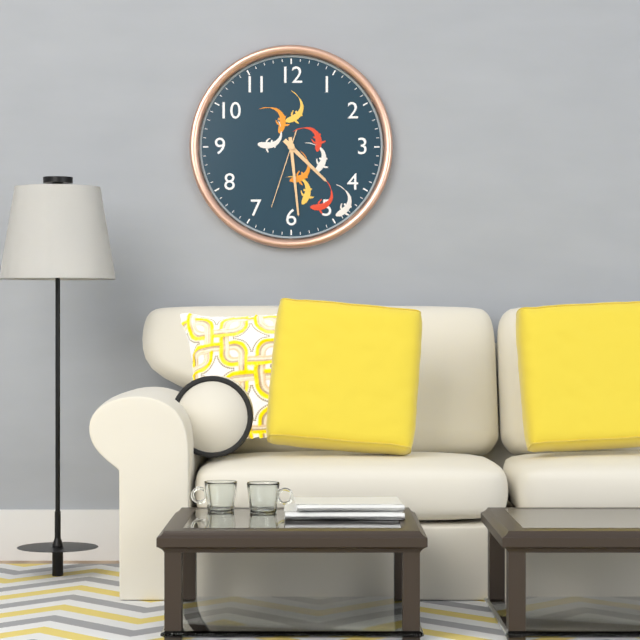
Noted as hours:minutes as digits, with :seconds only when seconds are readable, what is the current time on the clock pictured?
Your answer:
4:29:33
